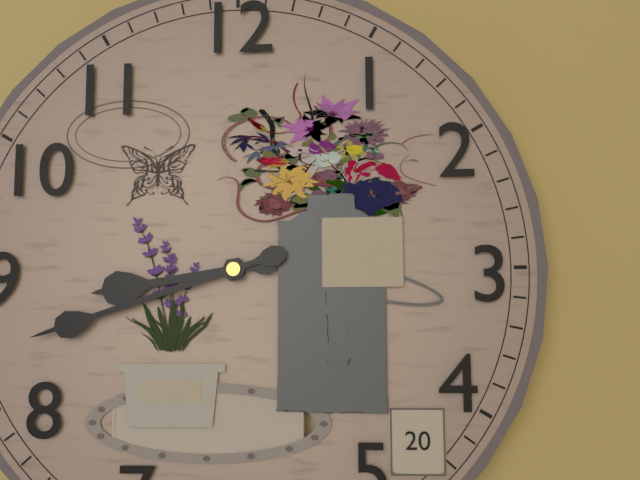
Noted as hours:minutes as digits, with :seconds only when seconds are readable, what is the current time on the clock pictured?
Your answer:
8:42
